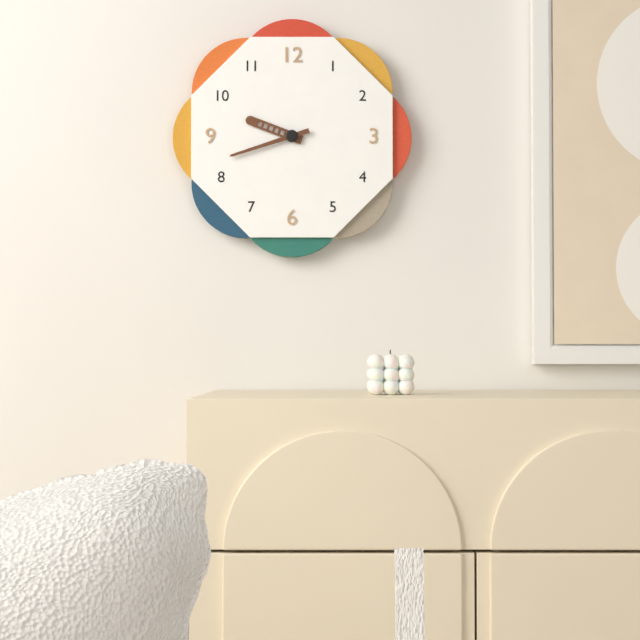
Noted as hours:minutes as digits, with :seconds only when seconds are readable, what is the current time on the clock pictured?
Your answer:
9:42
